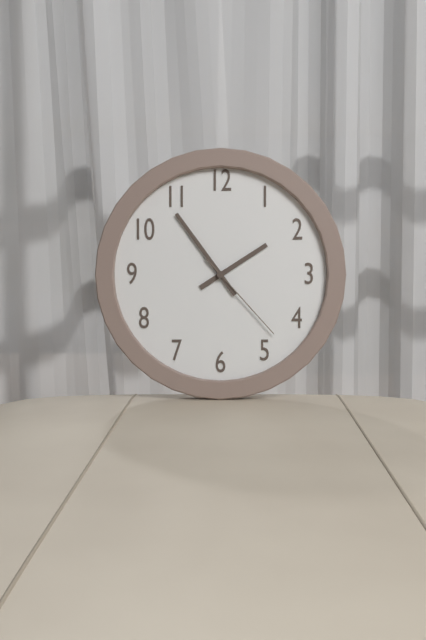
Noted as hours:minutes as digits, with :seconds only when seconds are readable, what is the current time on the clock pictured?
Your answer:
1:54:23
